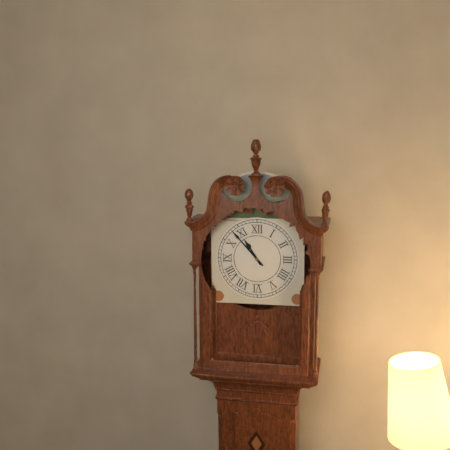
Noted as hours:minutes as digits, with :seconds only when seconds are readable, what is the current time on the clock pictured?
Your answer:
10:53
